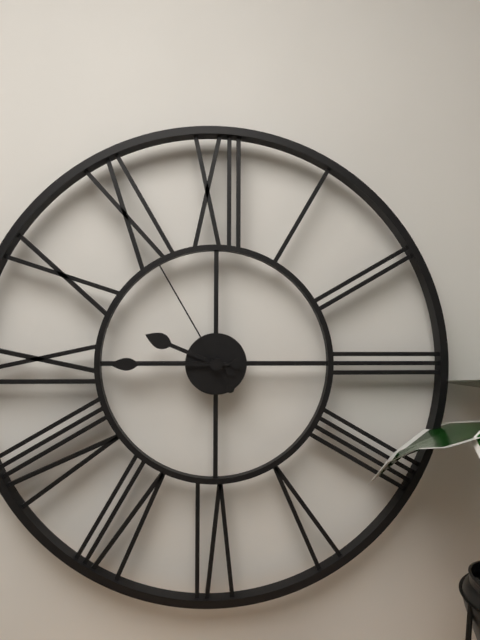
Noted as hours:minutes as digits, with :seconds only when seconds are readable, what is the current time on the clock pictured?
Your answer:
9:45:55
